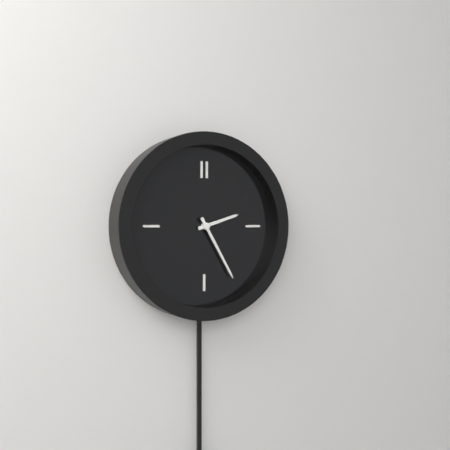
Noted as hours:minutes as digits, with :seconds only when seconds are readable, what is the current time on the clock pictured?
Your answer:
2:25
